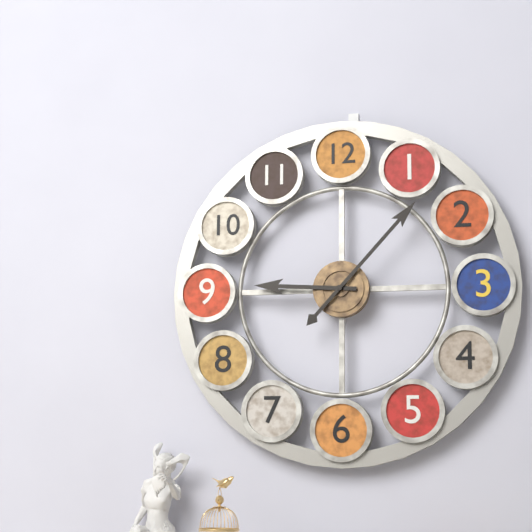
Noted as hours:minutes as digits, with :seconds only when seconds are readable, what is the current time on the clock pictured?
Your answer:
9:07
